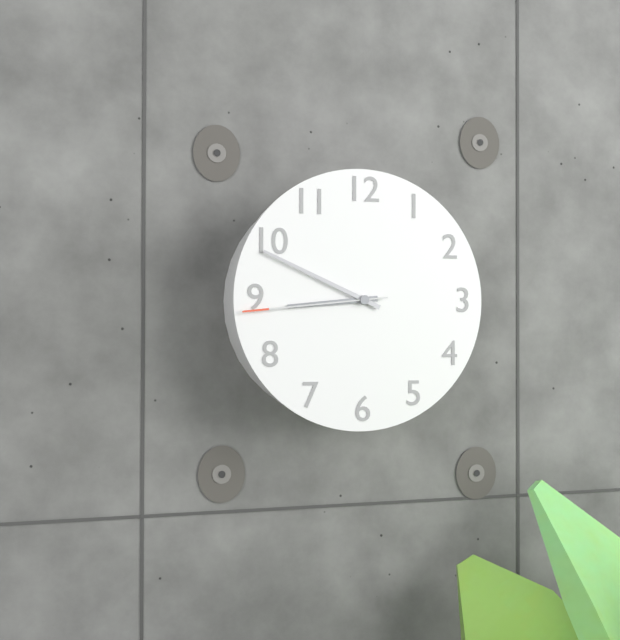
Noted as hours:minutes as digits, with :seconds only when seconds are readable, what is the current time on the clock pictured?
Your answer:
8:49:44
